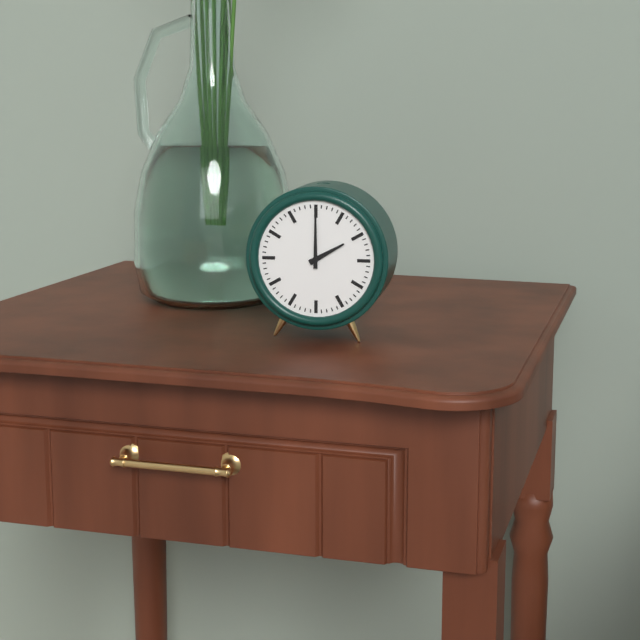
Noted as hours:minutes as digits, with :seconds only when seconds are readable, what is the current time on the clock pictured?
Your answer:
2:00
